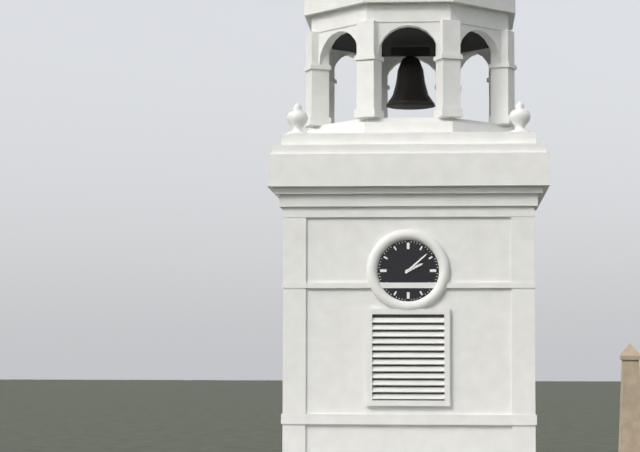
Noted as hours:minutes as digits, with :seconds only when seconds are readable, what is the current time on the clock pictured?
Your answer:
2:08
